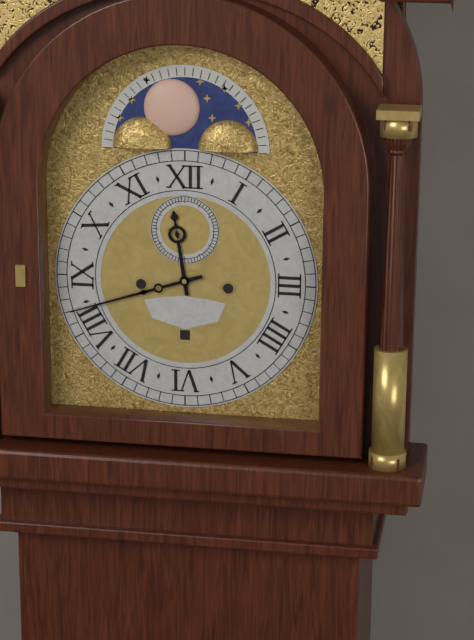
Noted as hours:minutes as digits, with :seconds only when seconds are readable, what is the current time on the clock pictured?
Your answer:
11:42
